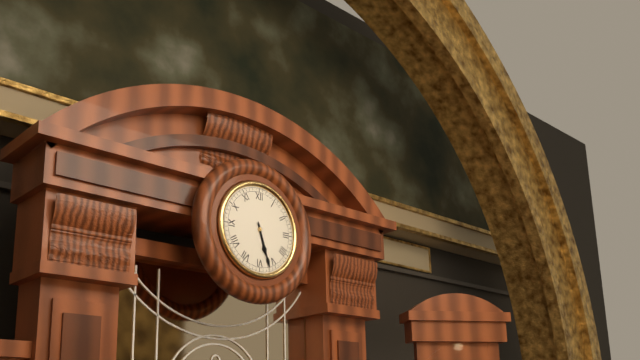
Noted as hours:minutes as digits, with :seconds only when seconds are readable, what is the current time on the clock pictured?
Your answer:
5:27
